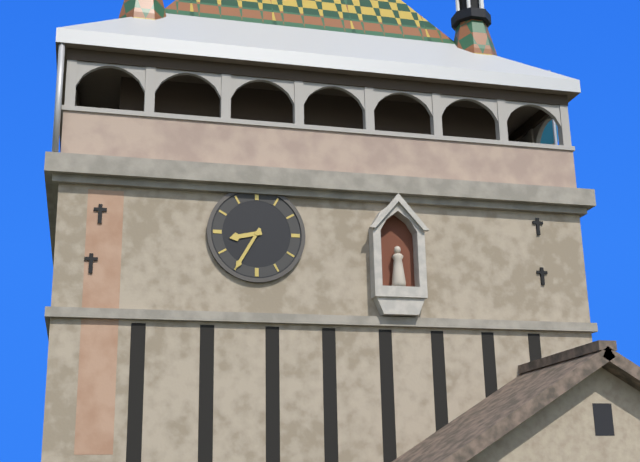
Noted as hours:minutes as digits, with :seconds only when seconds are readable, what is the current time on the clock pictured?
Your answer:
8:35
